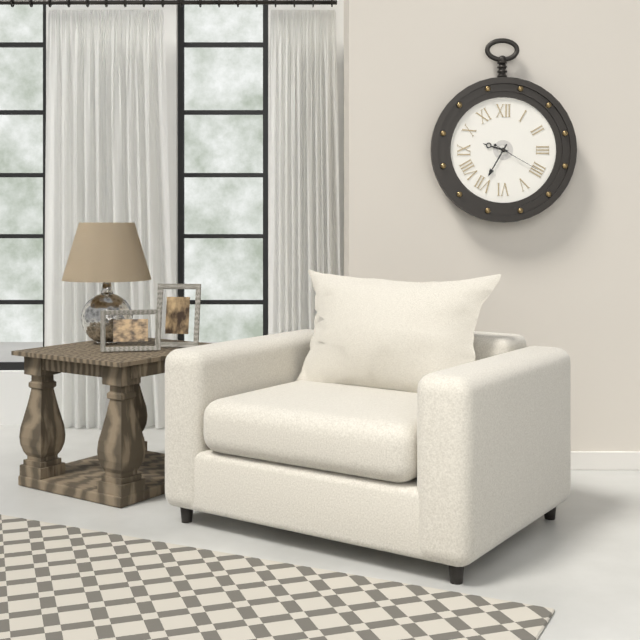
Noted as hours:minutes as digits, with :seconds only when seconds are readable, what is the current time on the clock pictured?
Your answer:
9:35
